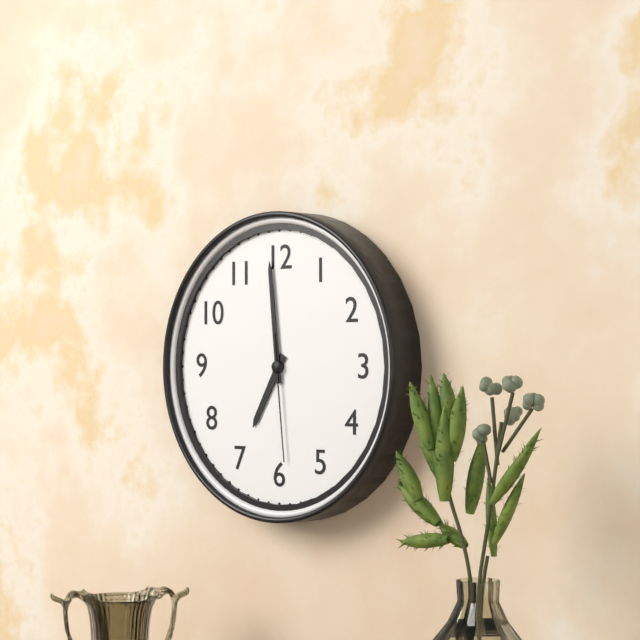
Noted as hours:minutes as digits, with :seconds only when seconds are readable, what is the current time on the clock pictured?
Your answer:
6:59:29
